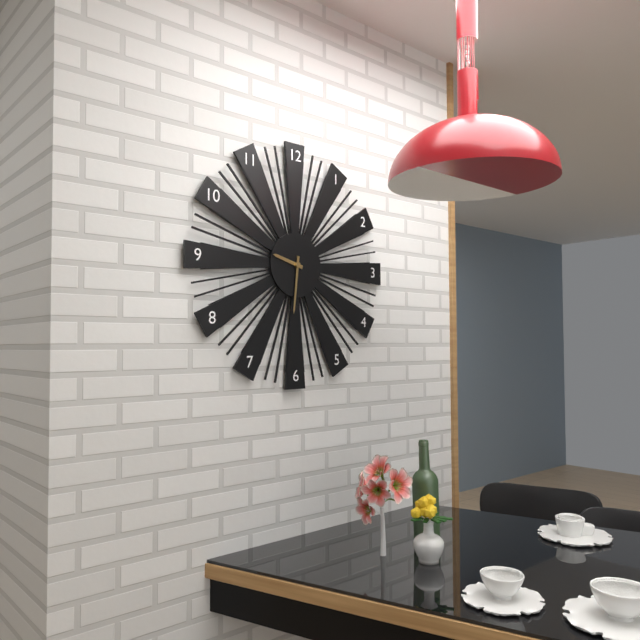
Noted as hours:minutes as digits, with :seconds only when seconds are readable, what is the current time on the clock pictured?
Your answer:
9:31
